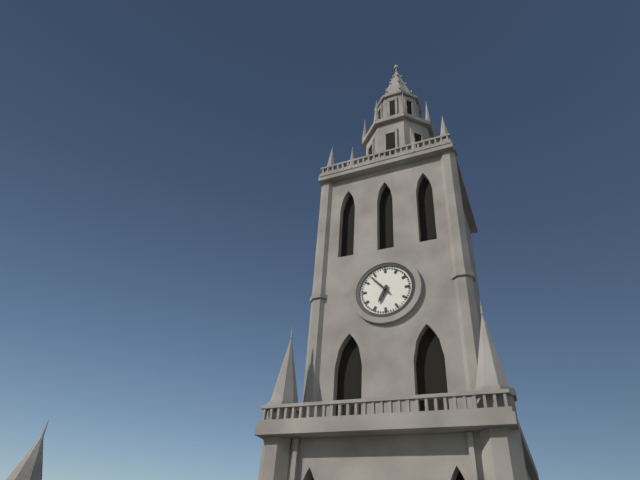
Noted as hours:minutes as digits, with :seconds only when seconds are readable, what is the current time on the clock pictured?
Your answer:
6:53
